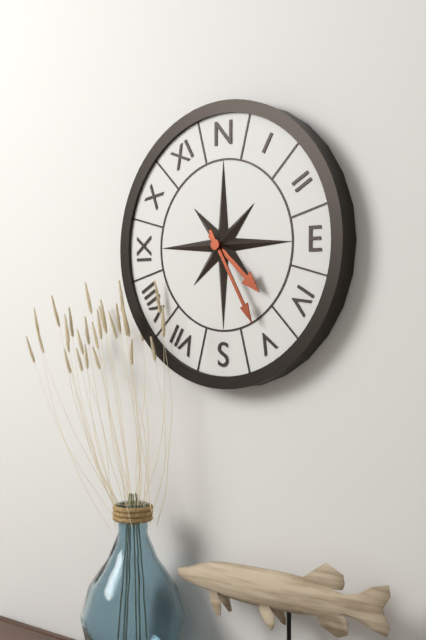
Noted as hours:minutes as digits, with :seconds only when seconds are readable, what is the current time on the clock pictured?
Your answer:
4:25
